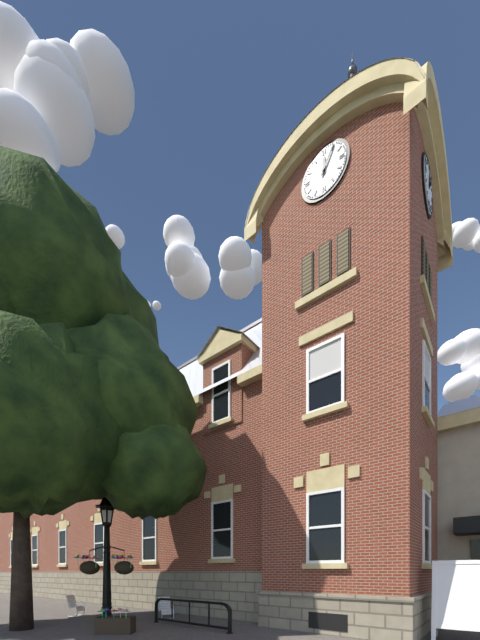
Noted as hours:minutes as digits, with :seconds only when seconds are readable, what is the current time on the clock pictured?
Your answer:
12:05
